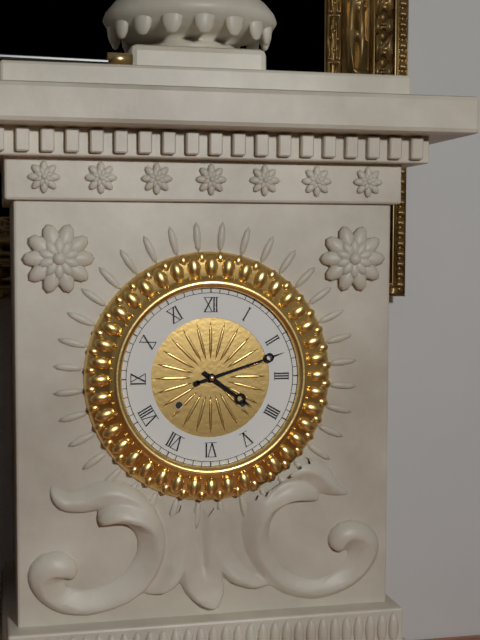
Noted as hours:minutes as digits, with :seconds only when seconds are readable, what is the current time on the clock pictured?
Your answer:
4:12
